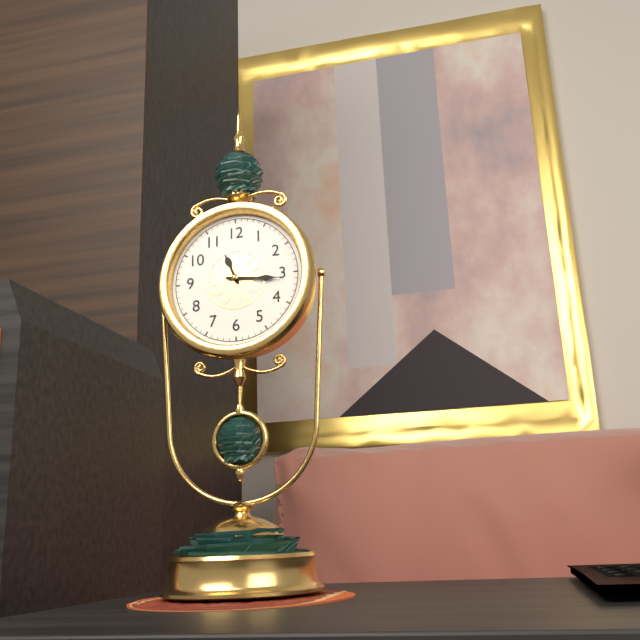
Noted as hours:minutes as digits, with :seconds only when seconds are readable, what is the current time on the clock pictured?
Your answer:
11:16
